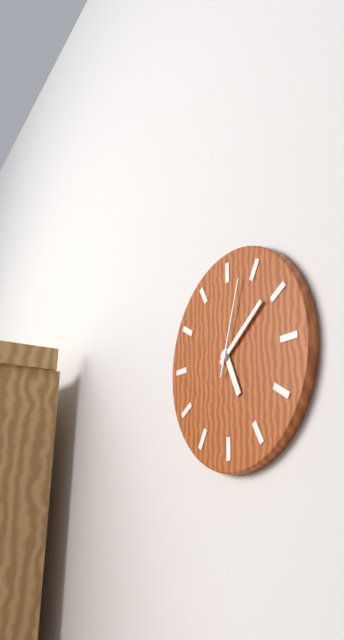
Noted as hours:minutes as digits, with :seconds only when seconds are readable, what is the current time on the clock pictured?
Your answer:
5:09:03
